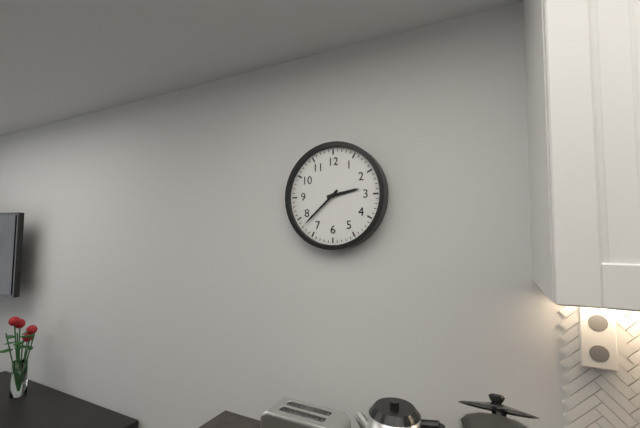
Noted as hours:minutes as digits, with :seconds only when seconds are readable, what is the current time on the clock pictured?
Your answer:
2:38
